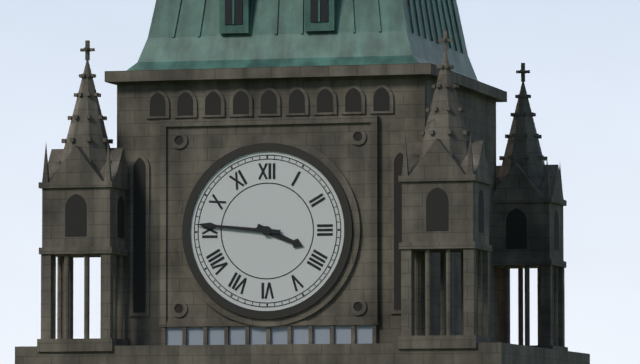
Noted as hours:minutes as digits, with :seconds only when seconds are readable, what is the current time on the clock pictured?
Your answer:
3:46
